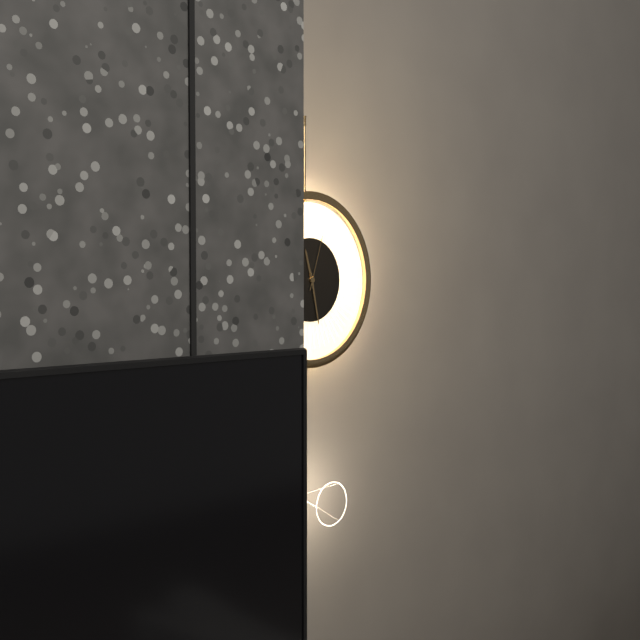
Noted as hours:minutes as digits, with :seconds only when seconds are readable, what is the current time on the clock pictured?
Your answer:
11:28:03
